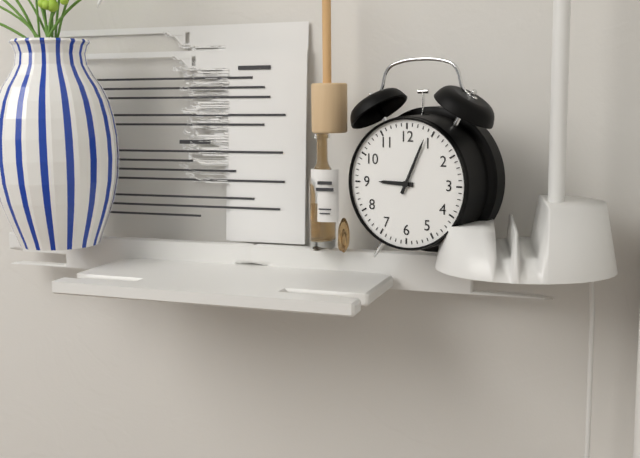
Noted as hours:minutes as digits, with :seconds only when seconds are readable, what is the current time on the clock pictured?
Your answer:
9:04
